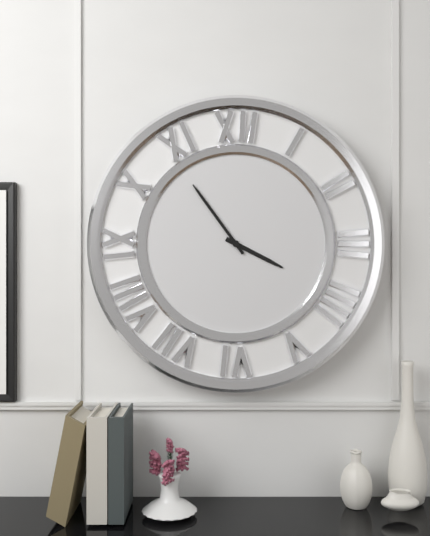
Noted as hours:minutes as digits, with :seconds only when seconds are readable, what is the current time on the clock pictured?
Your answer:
3:54
